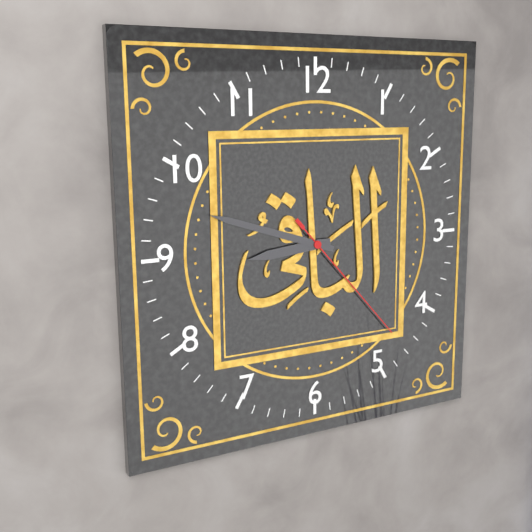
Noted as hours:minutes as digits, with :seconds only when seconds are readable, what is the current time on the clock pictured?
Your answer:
8:48:23
